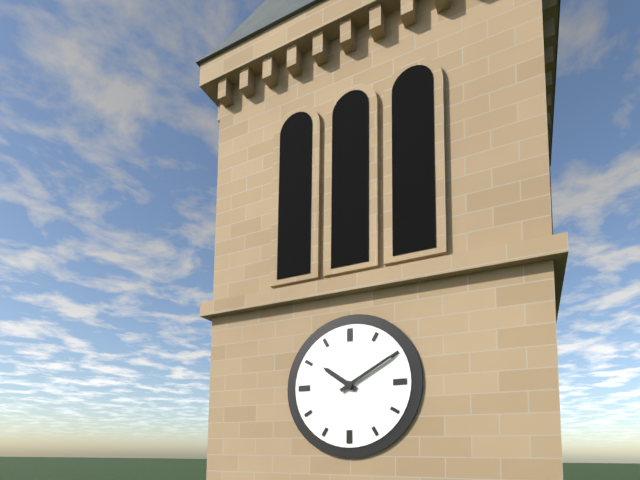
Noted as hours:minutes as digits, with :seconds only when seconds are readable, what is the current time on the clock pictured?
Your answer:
10:10
